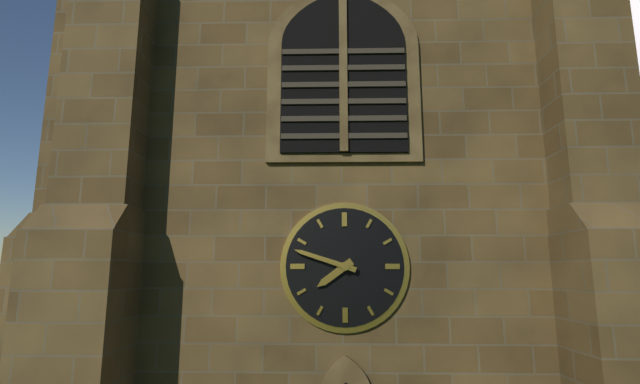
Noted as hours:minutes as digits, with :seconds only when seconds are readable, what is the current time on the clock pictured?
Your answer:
7:48
